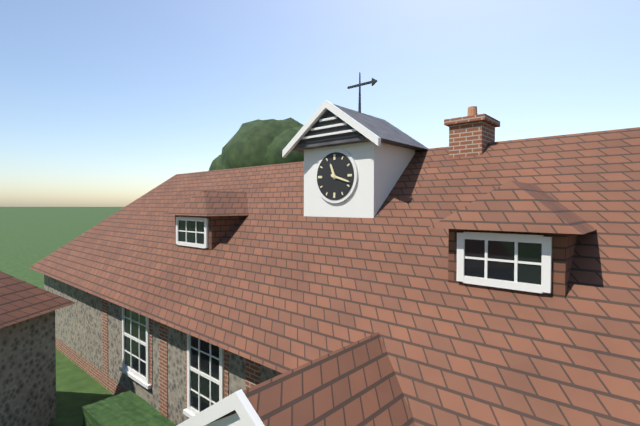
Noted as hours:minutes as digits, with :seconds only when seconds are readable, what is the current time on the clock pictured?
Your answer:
11:18
